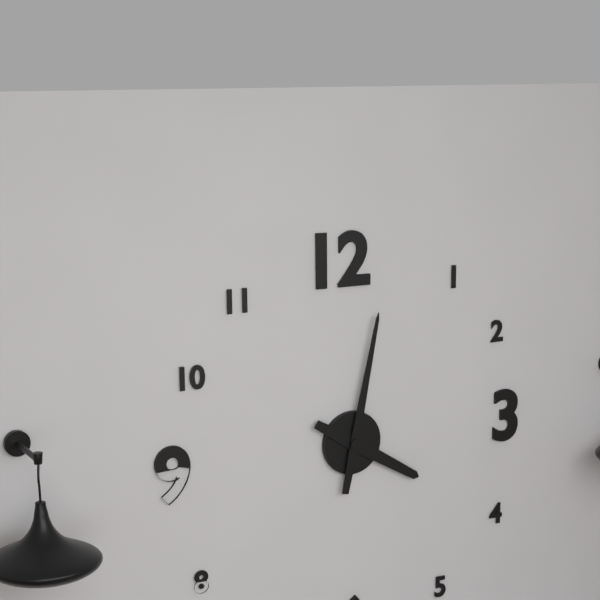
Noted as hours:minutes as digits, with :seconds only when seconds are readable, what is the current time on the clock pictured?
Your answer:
4:02
